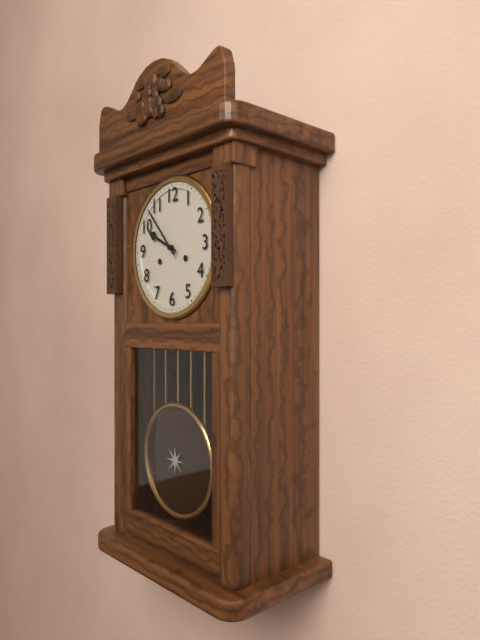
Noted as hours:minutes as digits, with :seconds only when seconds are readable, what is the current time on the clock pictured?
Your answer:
9:53
